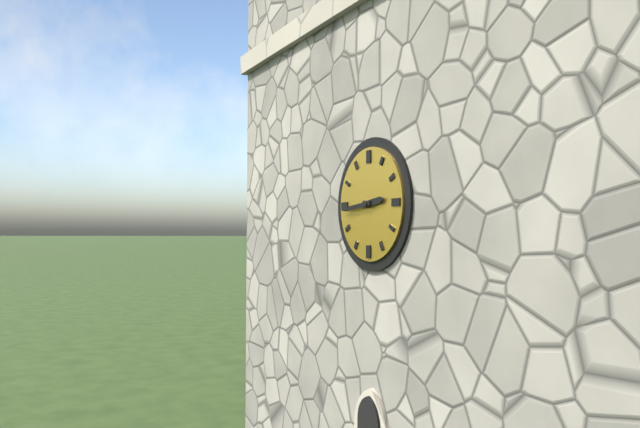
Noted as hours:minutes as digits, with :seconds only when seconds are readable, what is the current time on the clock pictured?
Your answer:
2:44
